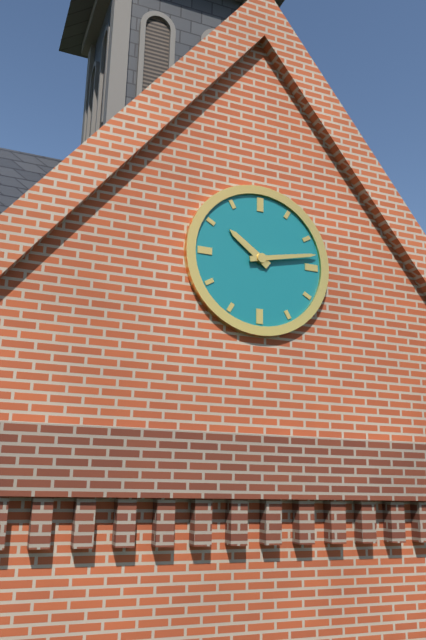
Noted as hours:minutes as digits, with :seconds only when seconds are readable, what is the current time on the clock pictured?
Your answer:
10:13
